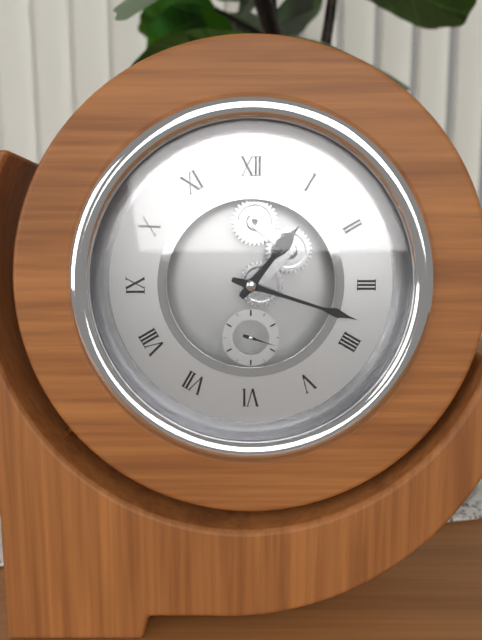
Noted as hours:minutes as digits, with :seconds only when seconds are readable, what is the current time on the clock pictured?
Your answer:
1:18
